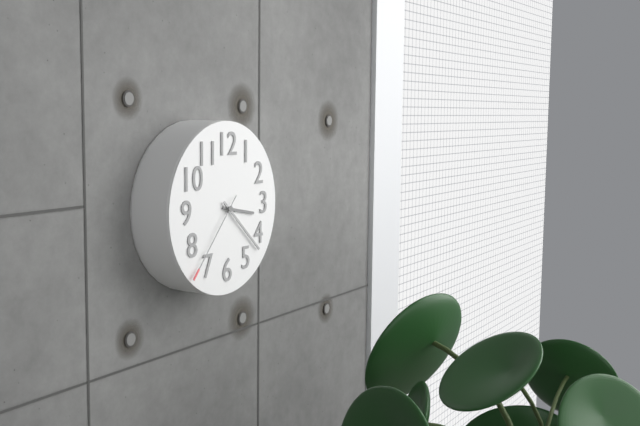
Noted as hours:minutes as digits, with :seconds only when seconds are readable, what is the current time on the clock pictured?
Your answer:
3:22:37
